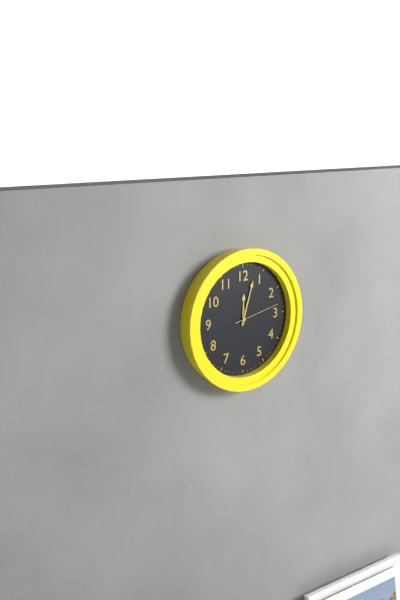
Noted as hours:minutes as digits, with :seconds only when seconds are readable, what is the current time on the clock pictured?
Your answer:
12:03
